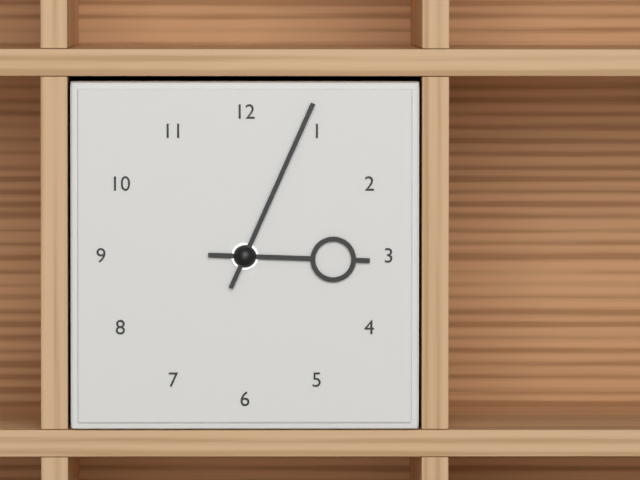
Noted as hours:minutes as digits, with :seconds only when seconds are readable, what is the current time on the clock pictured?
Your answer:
3:04
